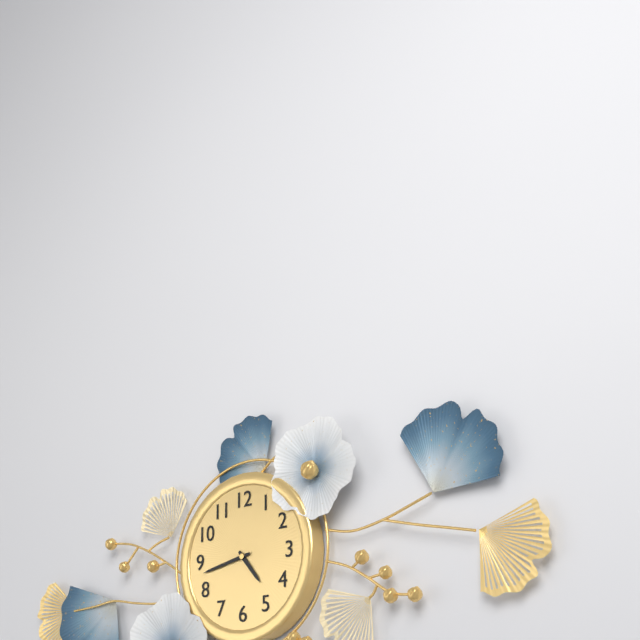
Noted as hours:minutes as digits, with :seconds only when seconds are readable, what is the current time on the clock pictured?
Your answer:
4:43
